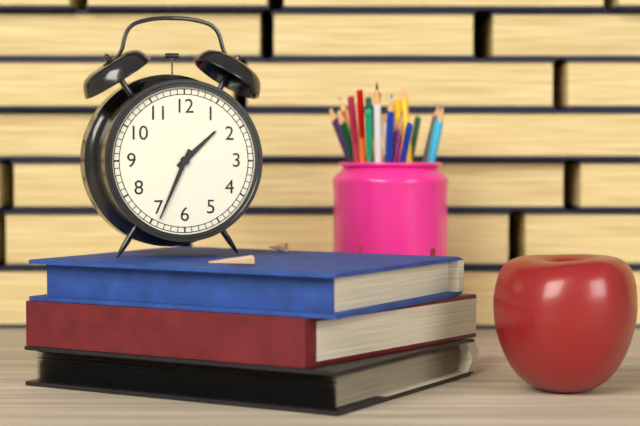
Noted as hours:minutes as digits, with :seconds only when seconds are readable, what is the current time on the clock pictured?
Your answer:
1:34
